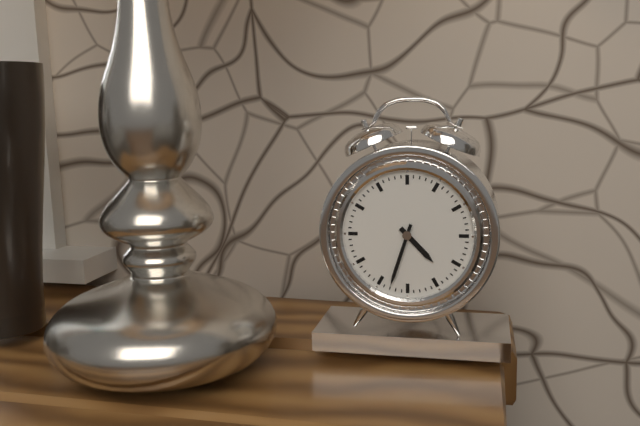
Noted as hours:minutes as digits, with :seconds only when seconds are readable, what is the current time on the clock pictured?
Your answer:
4:33
